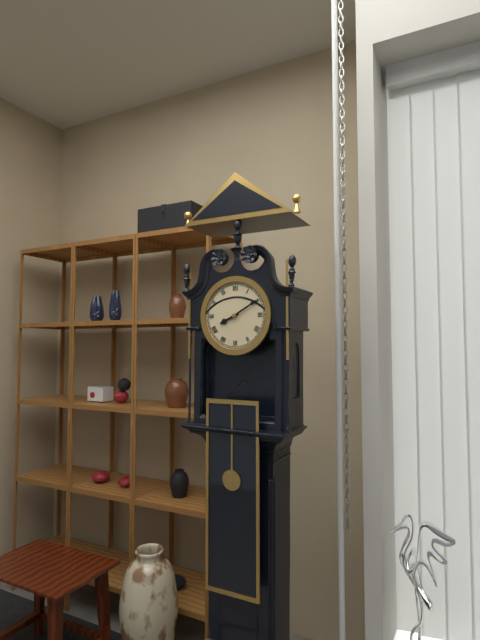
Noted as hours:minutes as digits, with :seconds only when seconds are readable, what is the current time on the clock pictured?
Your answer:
8:10
